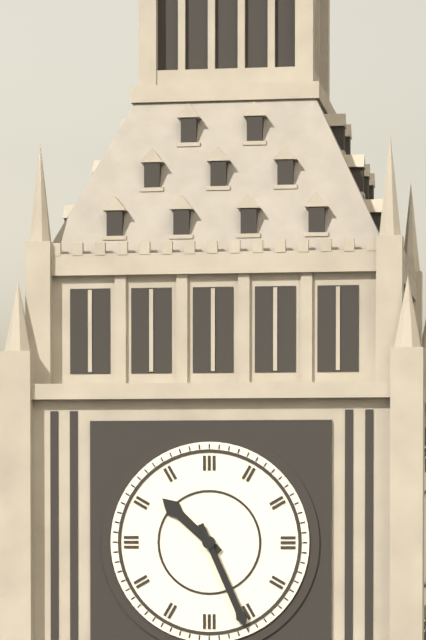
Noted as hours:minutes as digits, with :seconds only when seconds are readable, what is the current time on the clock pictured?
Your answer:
10:26
